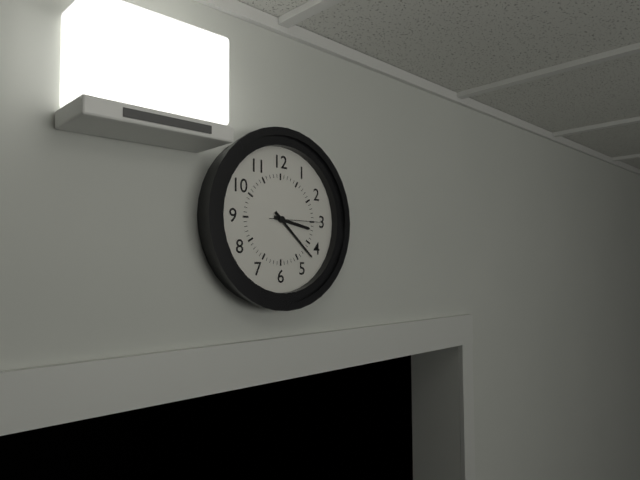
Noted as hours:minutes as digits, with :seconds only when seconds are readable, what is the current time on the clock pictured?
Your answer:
3:22:15
